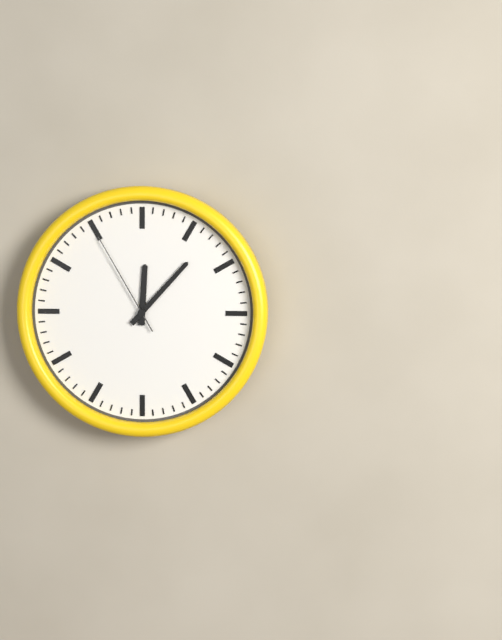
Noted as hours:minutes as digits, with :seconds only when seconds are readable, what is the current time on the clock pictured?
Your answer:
12:07:55
